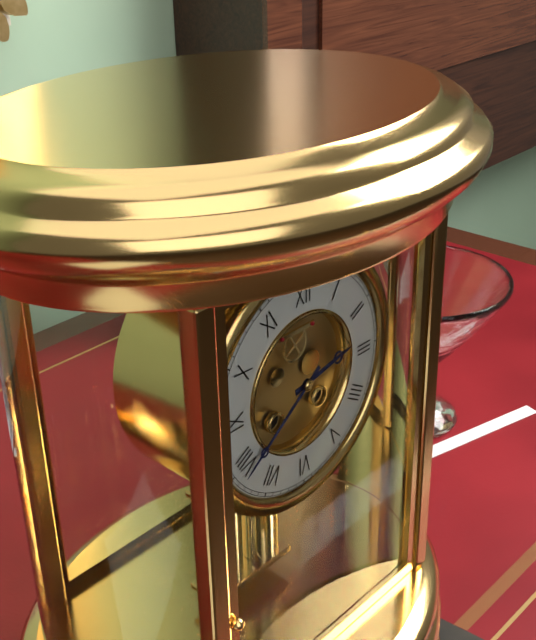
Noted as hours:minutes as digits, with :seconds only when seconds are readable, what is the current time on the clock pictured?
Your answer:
2:39
